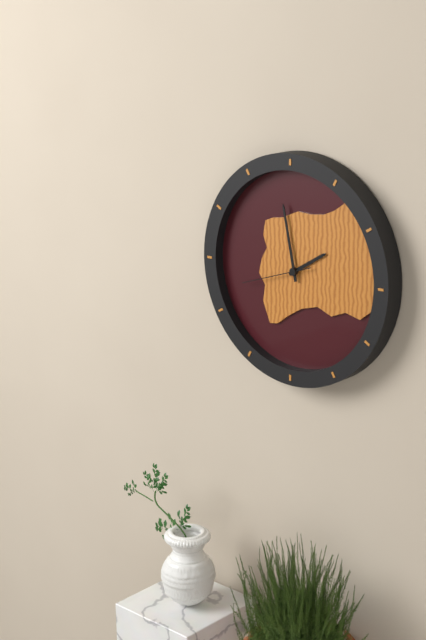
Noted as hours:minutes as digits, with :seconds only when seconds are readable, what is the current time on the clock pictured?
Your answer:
1:58:42
